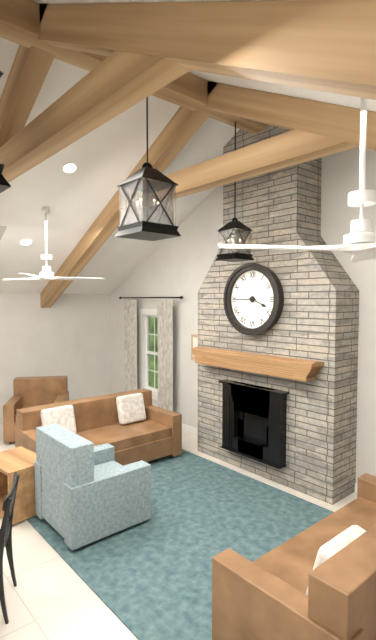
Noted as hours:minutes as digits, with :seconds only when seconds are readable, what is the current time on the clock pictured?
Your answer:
3:45
